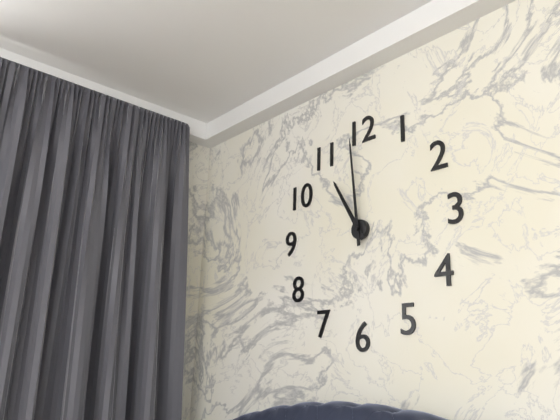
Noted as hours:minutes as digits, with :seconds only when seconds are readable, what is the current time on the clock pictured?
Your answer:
10:59
